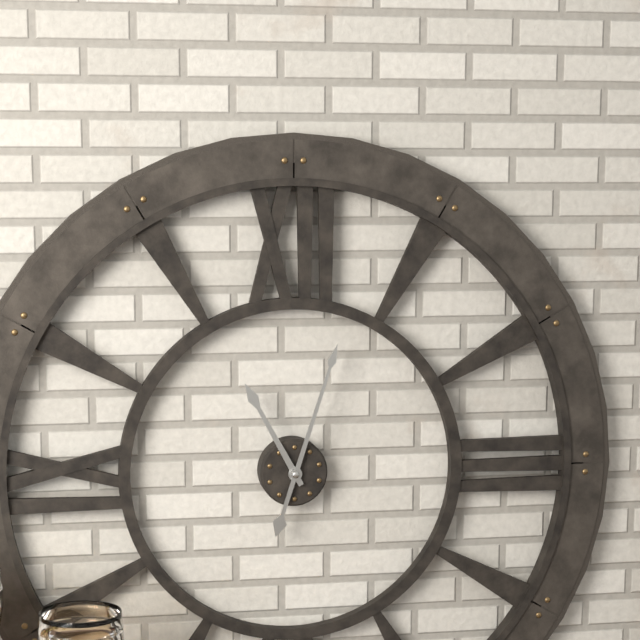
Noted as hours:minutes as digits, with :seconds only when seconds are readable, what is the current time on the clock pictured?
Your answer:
11:03
